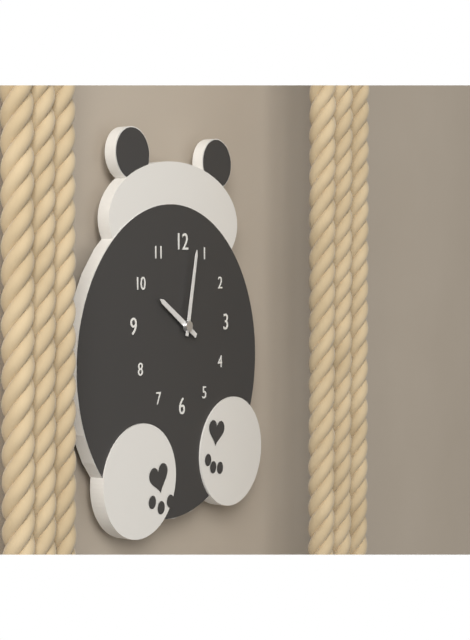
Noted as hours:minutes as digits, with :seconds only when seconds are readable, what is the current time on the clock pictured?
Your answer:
10:02
